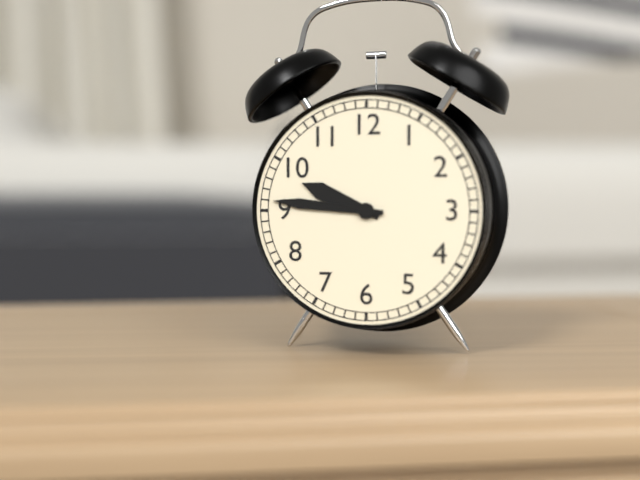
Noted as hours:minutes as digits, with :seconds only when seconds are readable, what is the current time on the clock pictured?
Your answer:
9:46
